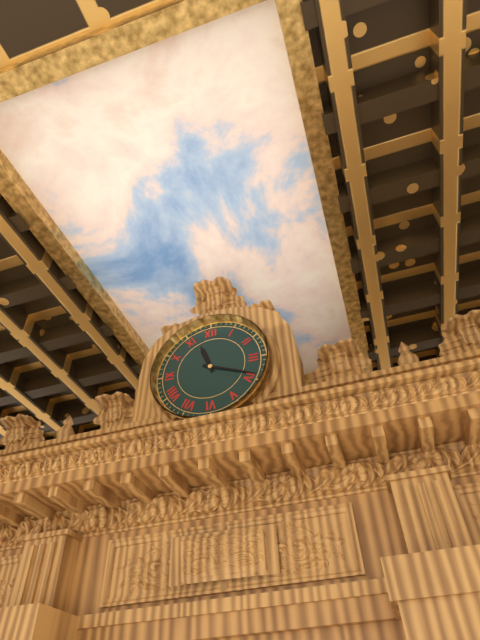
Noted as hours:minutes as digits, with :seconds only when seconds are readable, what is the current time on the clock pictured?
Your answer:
11:19
